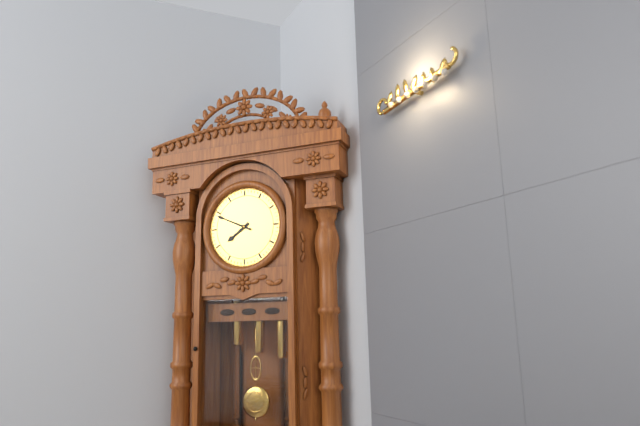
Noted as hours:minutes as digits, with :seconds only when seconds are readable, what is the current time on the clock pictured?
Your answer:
7:49
